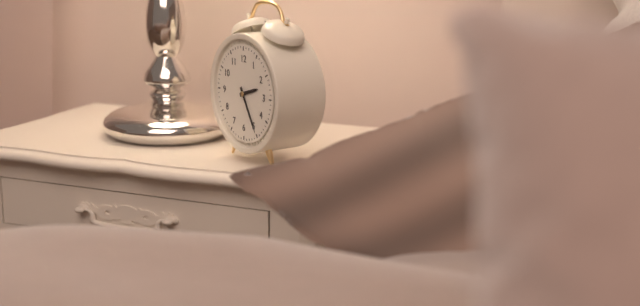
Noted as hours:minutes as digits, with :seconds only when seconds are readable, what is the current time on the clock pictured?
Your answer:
2:25
